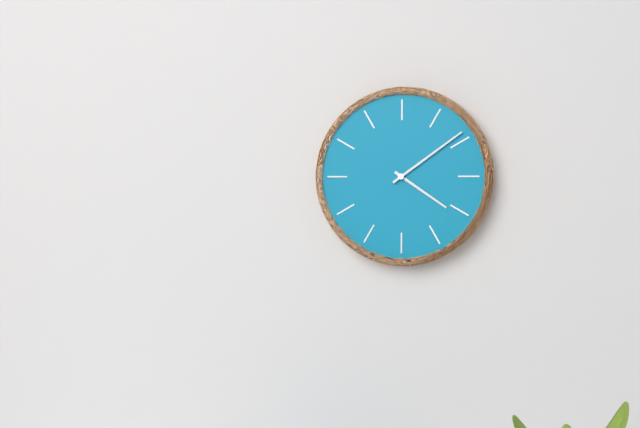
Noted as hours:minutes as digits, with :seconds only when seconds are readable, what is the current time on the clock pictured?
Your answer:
4:09
